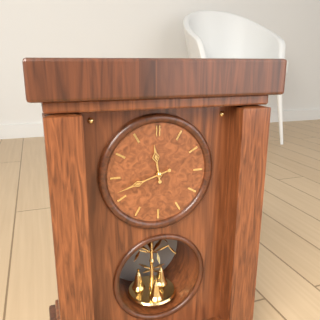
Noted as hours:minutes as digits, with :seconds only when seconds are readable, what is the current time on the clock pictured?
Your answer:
11:42
